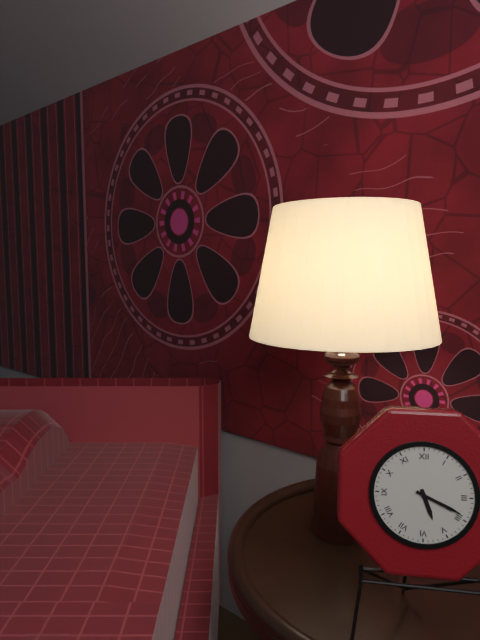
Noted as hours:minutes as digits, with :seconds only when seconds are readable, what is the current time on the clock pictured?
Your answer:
5:19
